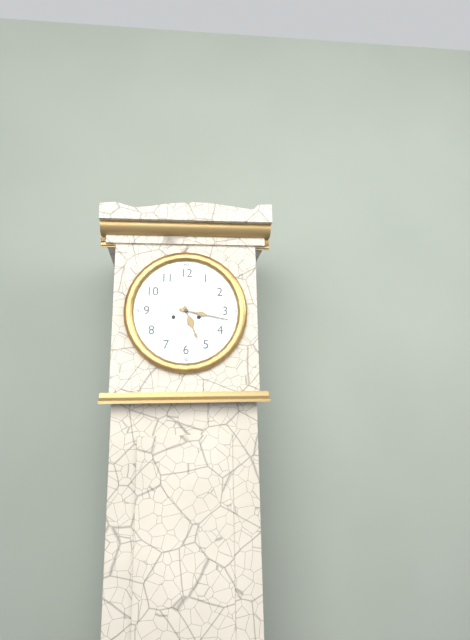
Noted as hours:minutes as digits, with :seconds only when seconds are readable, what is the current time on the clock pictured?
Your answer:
5:17
